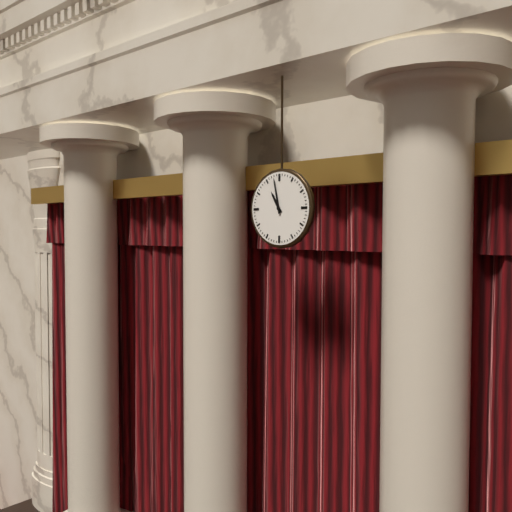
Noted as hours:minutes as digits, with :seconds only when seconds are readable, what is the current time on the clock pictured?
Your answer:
10:58
